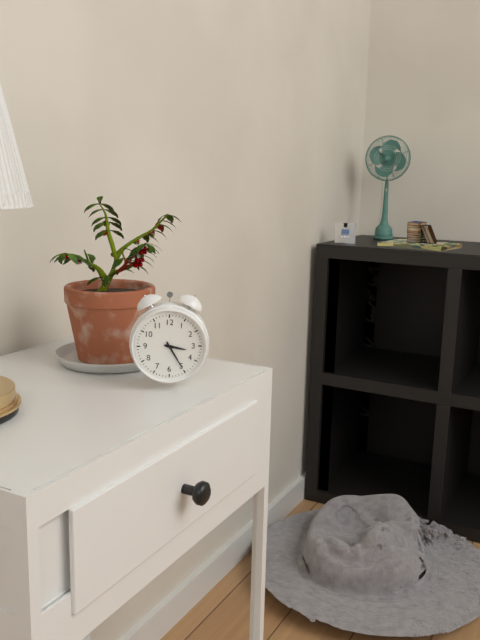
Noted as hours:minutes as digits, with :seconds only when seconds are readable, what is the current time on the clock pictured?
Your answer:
3:25
